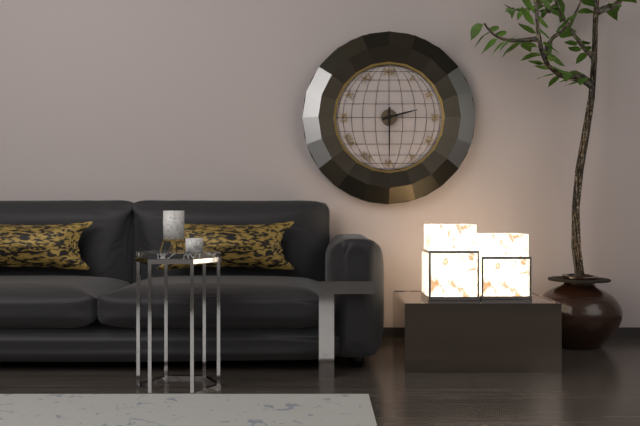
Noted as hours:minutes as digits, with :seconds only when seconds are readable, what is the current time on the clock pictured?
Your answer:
2:30
